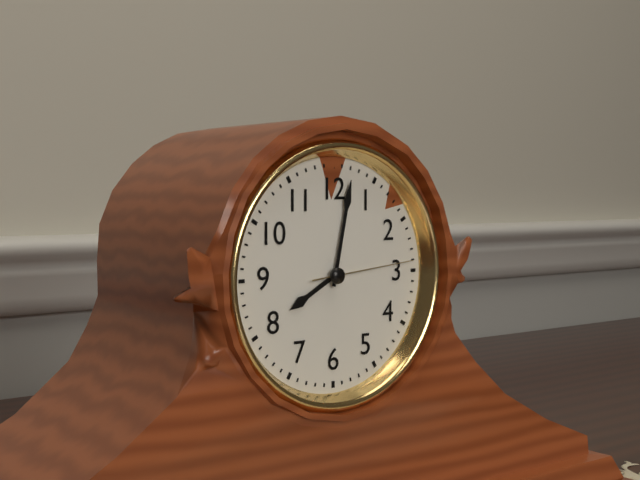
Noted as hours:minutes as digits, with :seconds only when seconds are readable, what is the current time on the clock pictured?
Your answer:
8:02:14
